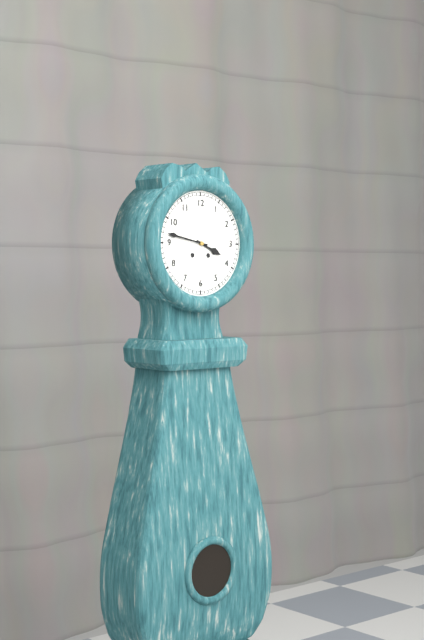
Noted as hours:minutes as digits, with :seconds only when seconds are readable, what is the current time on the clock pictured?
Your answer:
3:47
